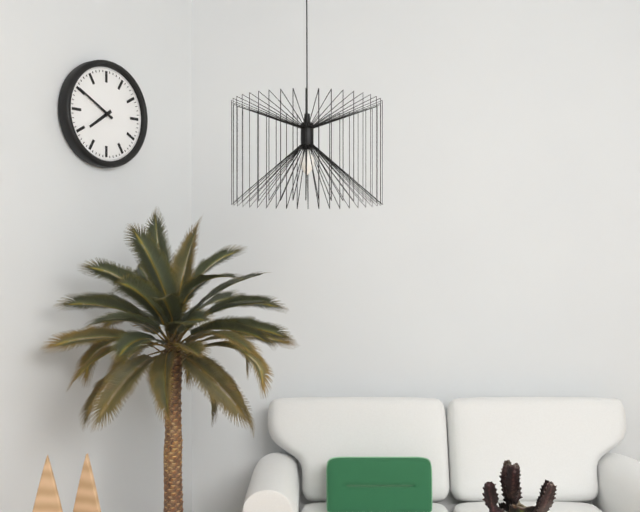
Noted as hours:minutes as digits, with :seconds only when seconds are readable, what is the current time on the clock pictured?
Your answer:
7:50
